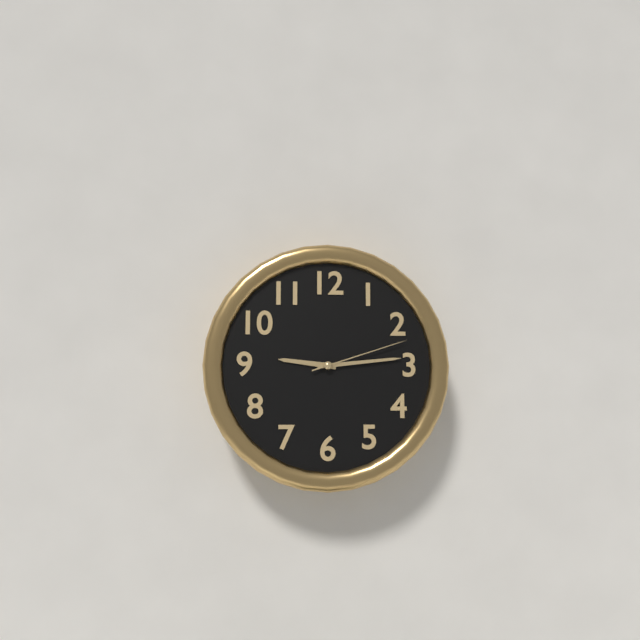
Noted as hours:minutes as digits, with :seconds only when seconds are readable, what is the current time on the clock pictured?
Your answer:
9:14:12
